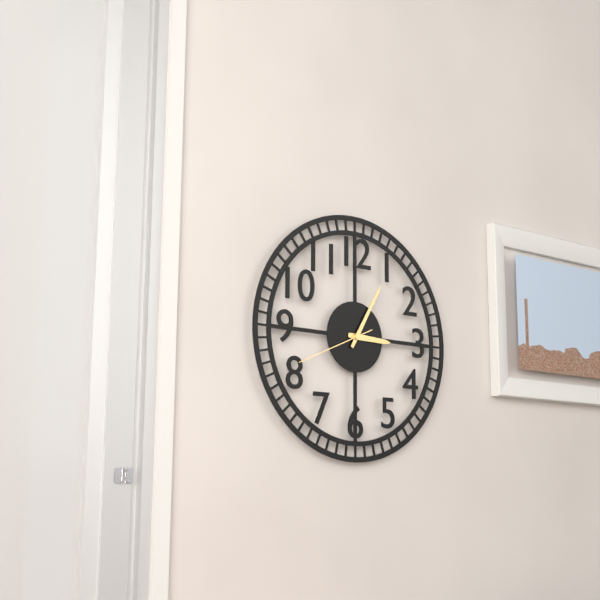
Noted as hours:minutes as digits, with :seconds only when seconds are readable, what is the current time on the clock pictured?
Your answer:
3:05:41
